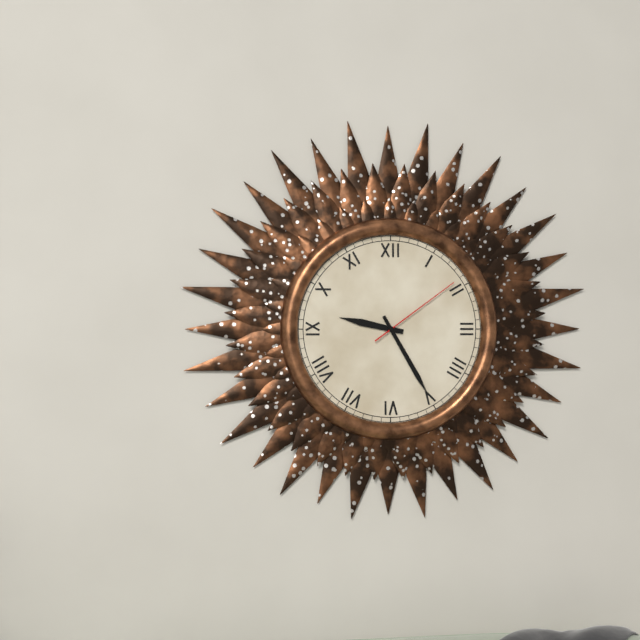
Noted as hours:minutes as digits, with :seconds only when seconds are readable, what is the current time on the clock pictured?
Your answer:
9:25:09
